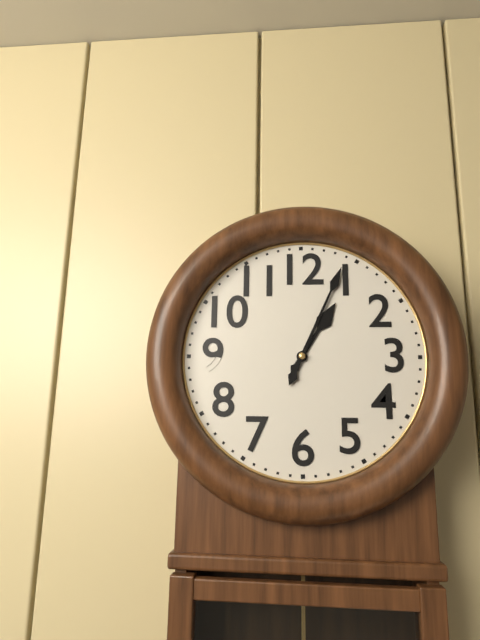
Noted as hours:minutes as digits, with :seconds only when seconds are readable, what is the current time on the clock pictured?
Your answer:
1:04
